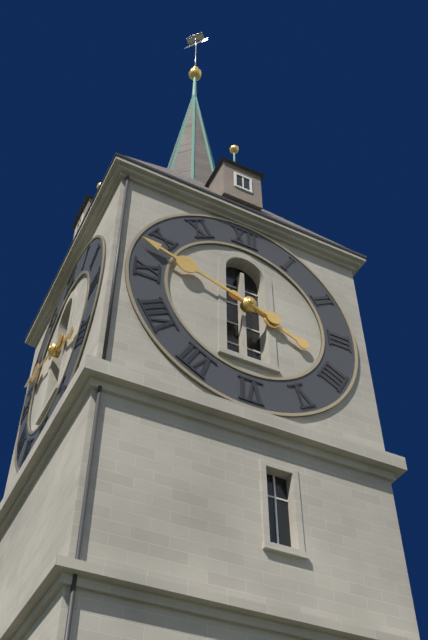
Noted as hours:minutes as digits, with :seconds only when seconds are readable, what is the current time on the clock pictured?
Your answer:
3:48
